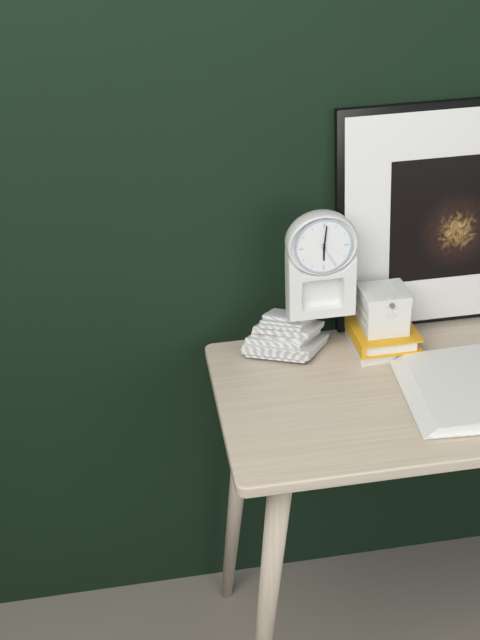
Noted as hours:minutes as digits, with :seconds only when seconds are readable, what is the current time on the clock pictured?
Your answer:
6:01
